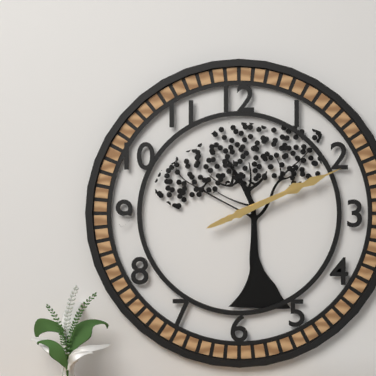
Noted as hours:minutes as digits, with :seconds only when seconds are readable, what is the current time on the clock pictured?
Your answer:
2:11
